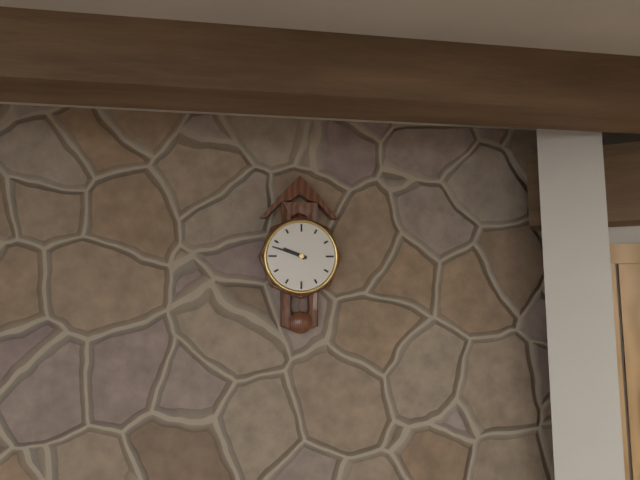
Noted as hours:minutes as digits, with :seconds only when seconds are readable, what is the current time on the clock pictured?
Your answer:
9:48
